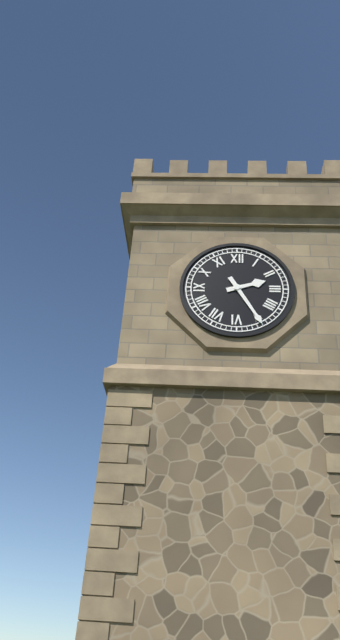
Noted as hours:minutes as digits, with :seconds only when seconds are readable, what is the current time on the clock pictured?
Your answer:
2:25
